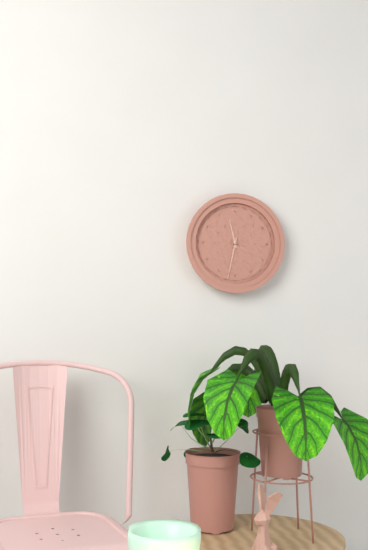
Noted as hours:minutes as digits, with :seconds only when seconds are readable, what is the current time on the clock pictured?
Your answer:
11:32
